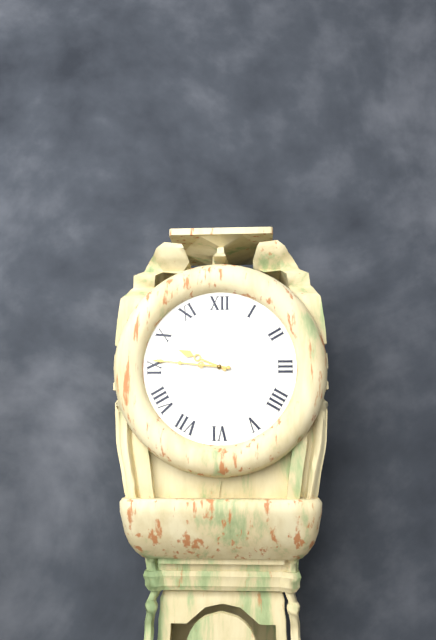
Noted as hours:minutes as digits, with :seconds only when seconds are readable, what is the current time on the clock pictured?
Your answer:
9:46
